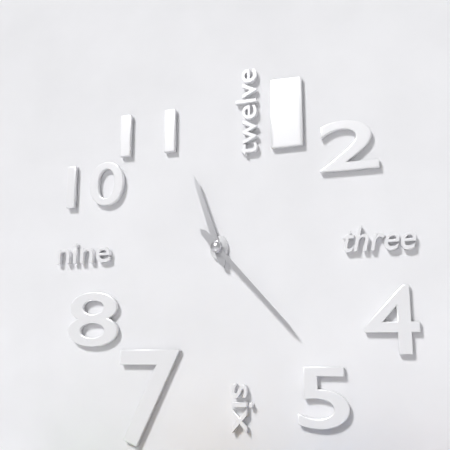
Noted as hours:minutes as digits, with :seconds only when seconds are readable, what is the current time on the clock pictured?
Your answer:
11:23
